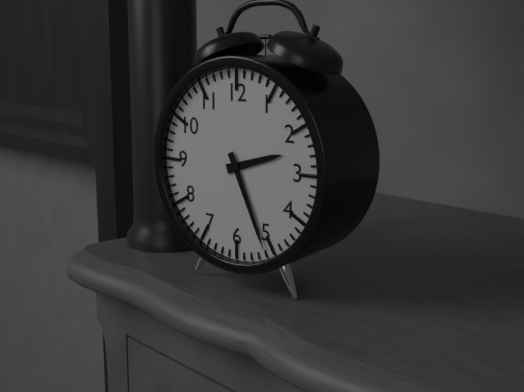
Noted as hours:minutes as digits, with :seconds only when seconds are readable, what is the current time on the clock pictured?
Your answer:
2:26
